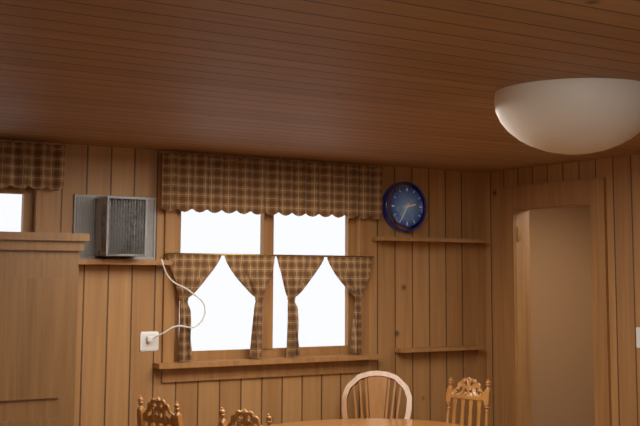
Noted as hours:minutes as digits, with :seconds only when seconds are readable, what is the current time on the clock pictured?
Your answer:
2:35
